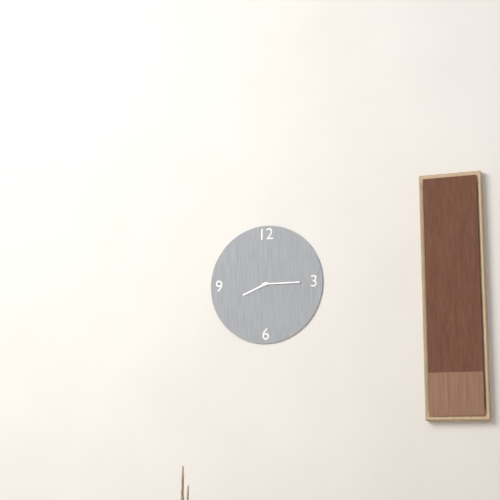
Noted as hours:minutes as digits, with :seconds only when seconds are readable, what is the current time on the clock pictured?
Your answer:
8:15
